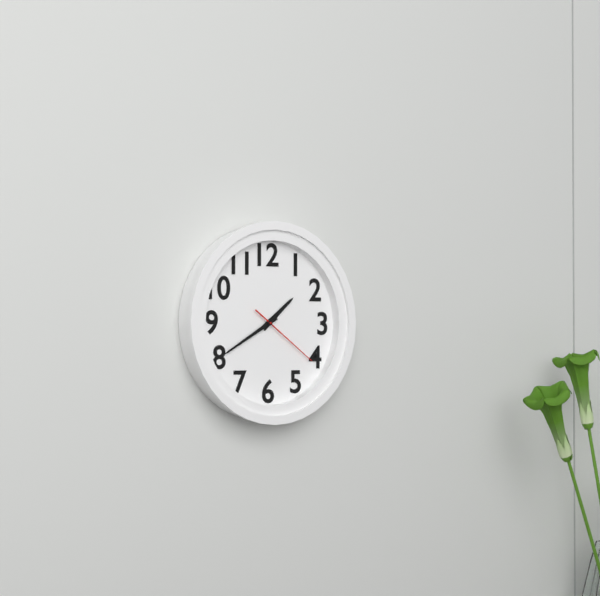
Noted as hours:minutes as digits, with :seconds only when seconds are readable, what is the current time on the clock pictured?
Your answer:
1:40:21
